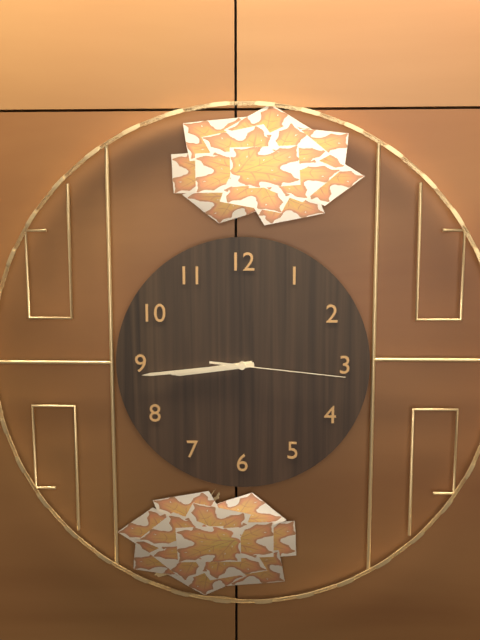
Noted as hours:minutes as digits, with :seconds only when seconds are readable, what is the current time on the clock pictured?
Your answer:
8:44:16
